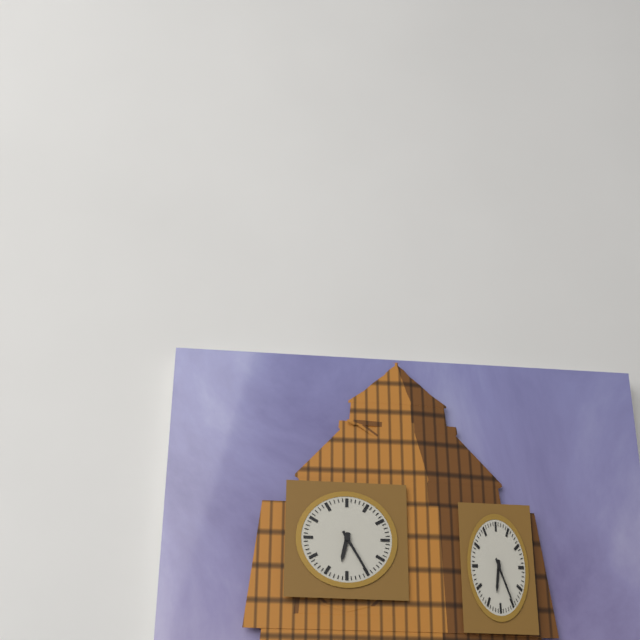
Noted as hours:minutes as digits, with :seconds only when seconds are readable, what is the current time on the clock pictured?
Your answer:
6:25
